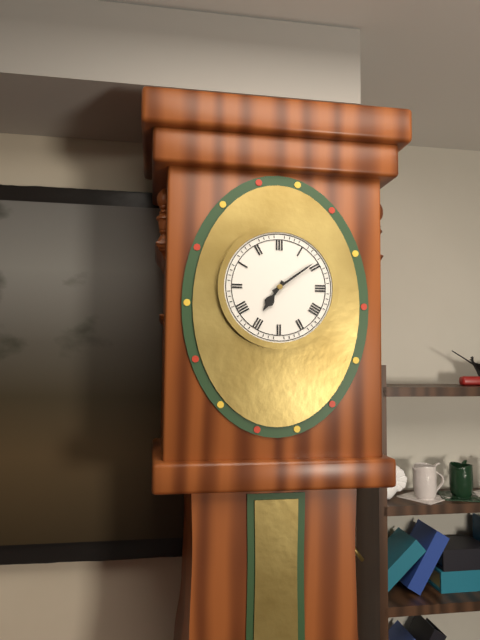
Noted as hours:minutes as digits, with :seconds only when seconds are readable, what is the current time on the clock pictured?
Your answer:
7:09
